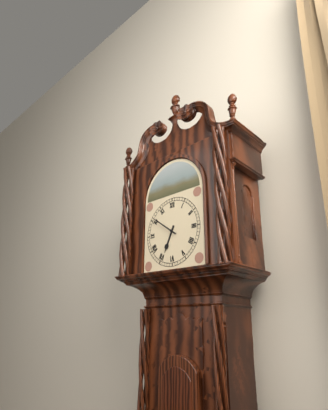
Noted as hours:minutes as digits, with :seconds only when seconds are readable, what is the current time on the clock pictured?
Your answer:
6:51
